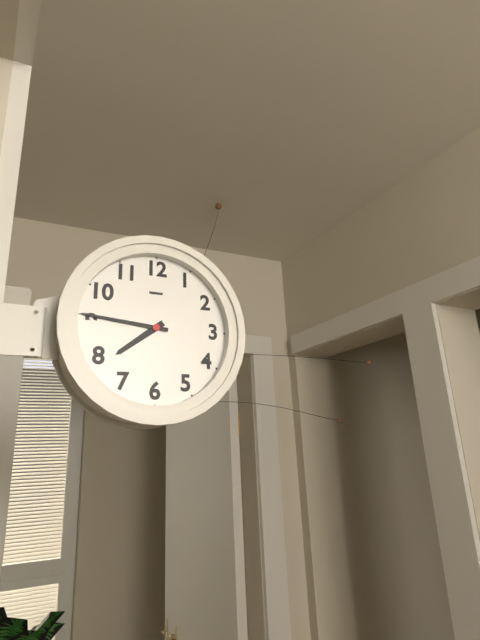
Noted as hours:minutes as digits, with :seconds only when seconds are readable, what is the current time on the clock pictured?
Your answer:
7:46
